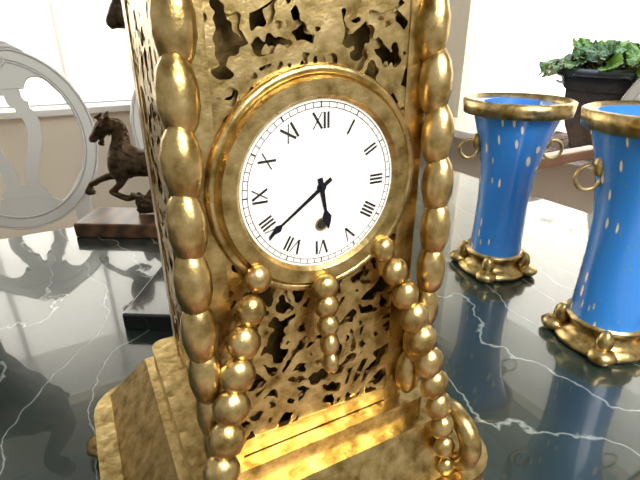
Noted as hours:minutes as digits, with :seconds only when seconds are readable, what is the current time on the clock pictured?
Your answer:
5:39
